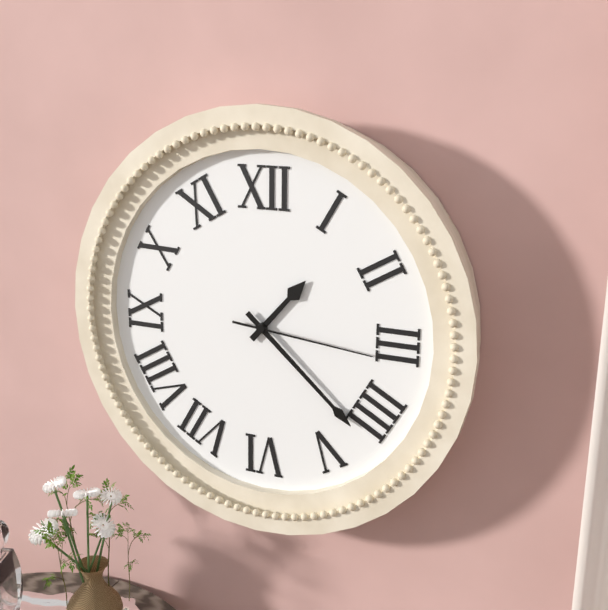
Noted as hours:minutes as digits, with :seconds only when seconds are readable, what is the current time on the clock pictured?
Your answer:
1:22:16
